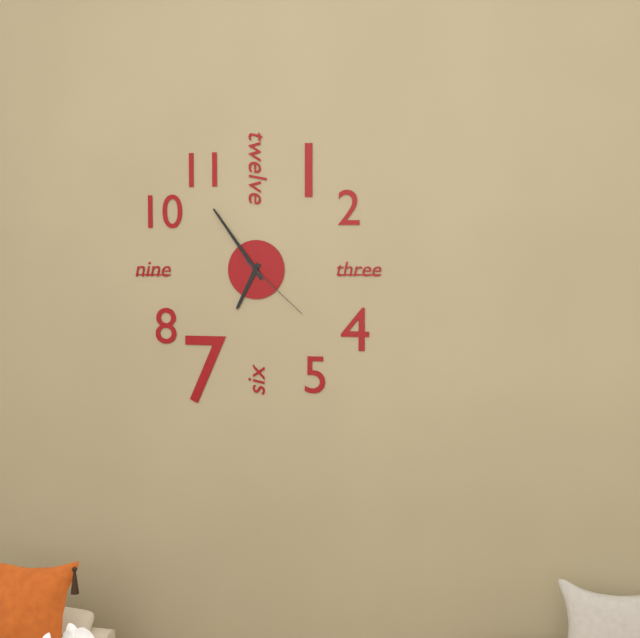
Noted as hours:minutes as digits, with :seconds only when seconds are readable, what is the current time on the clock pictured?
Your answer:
6:54:22
